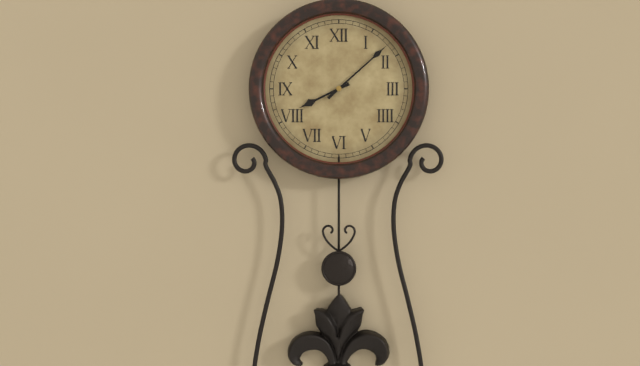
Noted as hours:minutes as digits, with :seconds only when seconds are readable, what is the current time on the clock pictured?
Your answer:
8:08
